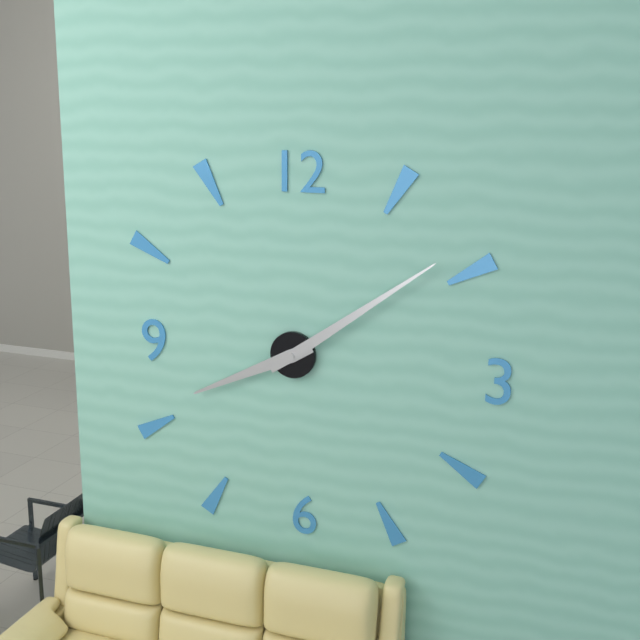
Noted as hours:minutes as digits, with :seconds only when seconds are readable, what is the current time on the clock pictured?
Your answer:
8:09
